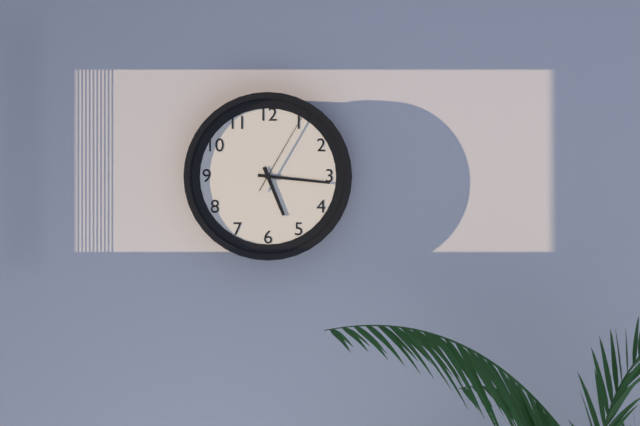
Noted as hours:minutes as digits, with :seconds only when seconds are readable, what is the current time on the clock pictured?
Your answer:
5:16:05
